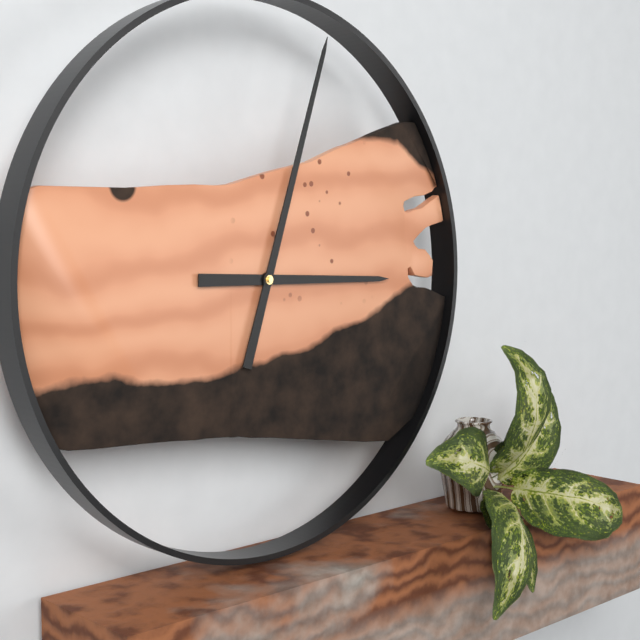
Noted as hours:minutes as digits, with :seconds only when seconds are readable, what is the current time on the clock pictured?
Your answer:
3:03
